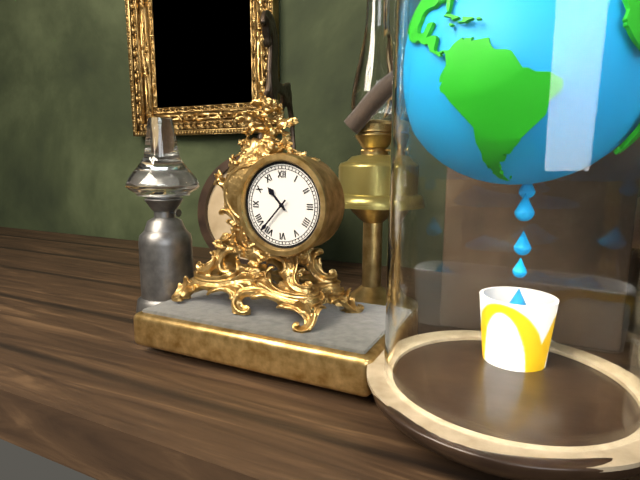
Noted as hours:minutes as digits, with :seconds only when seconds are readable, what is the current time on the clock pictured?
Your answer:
10:37
